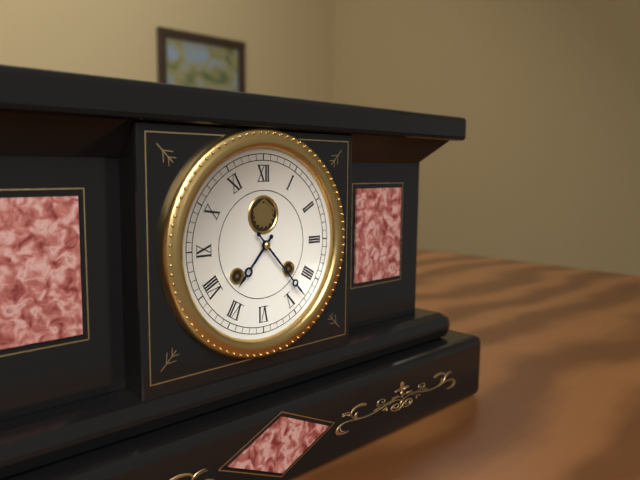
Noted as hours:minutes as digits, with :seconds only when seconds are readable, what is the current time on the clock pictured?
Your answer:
7:23
